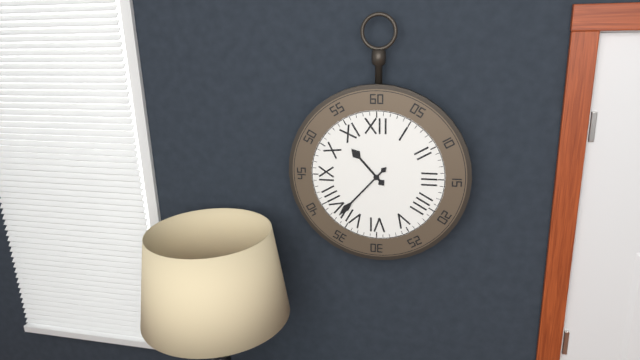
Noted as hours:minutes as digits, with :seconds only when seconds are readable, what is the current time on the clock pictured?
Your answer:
10:37
